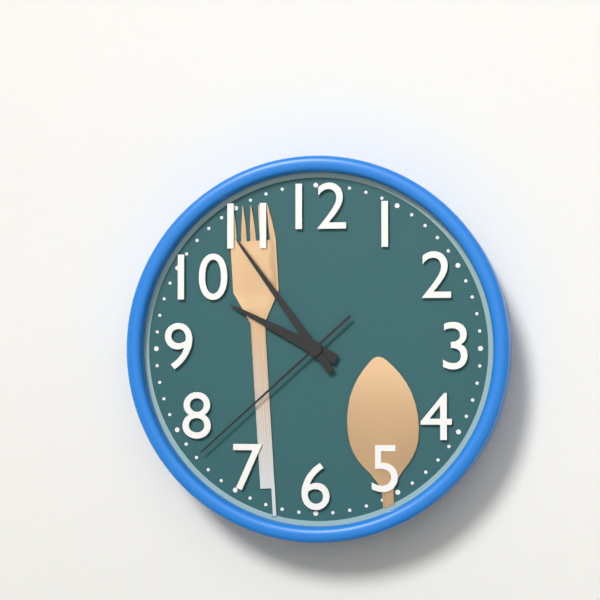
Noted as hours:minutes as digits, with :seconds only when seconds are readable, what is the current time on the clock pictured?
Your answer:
9:54:38
